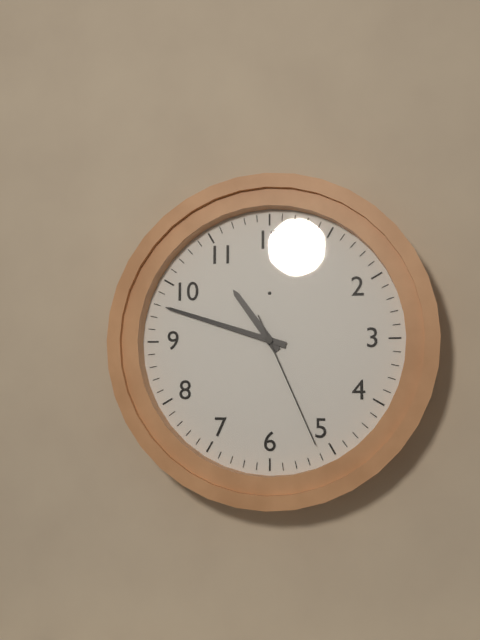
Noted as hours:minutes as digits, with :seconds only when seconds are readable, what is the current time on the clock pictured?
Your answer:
10:48:26
